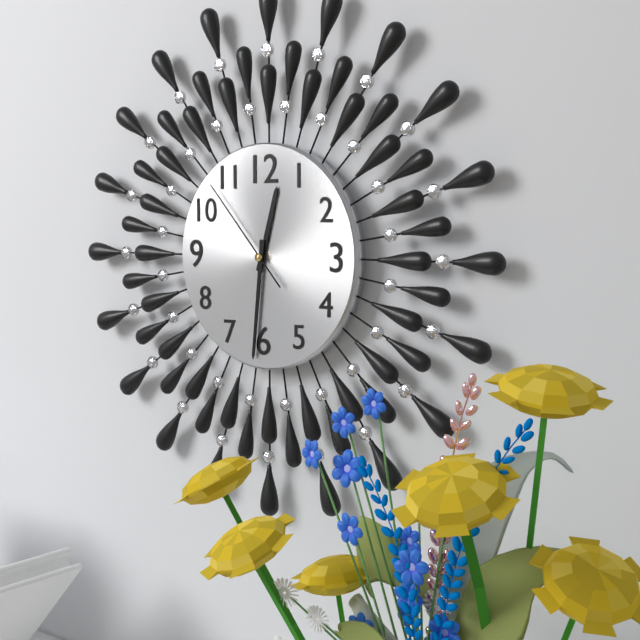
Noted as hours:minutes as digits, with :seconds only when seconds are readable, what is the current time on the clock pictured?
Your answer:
12:31:53
